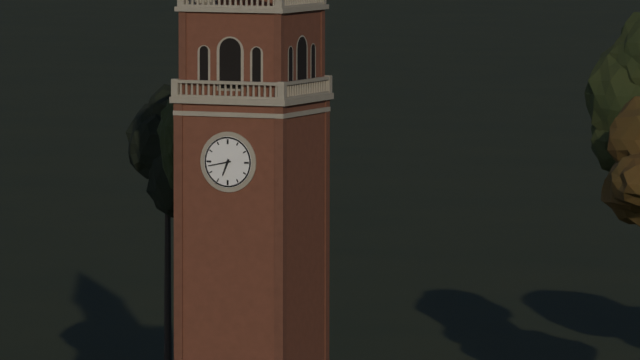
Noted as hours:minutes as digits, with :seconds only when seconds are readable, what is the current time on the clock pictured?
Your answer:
6:43
